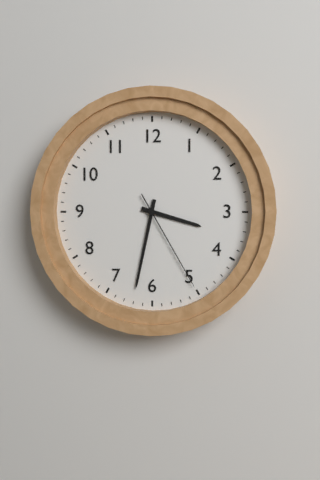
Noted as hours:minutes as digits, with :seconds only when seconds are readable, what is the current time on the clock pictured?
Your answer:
3:32:25
